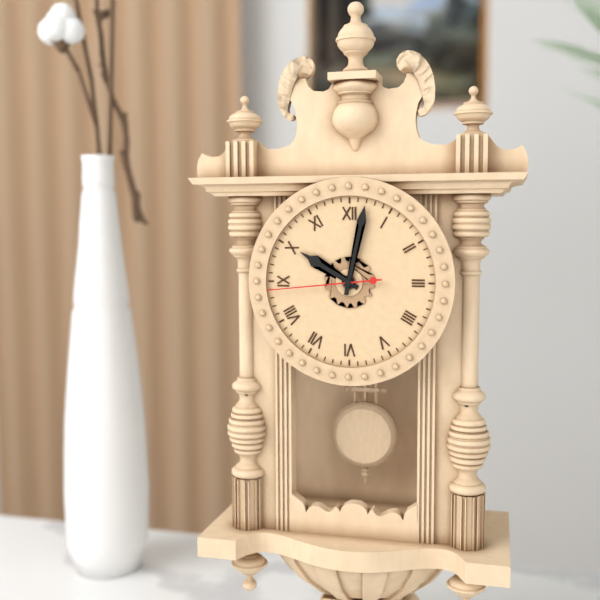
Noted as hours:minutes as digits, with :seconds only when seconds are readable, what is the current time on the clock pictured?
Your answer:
10:02:44
